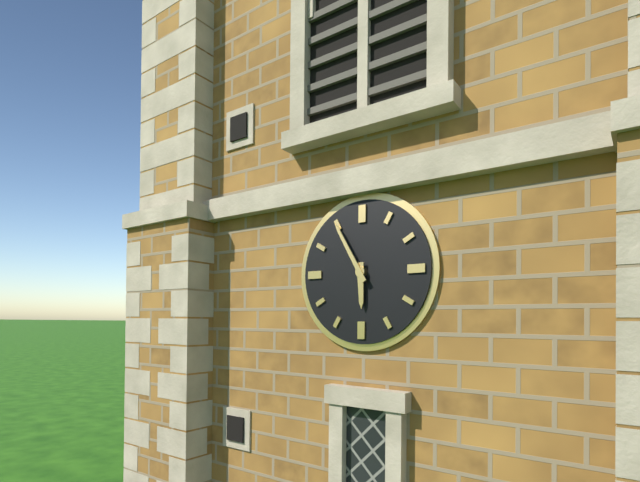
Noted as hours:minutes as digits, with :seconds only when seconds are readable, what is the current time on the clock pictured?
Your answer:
5:55
